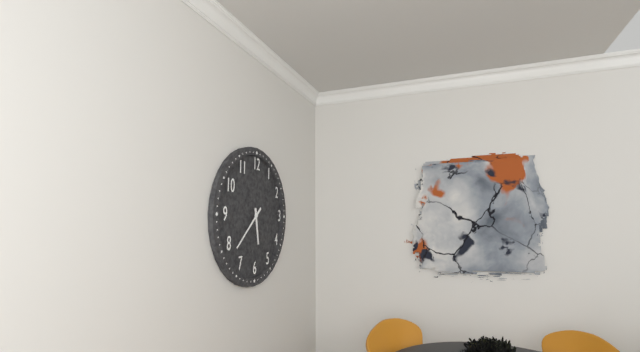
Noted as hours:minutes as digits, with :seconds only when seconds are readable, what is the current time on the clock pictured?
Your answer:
5:38
